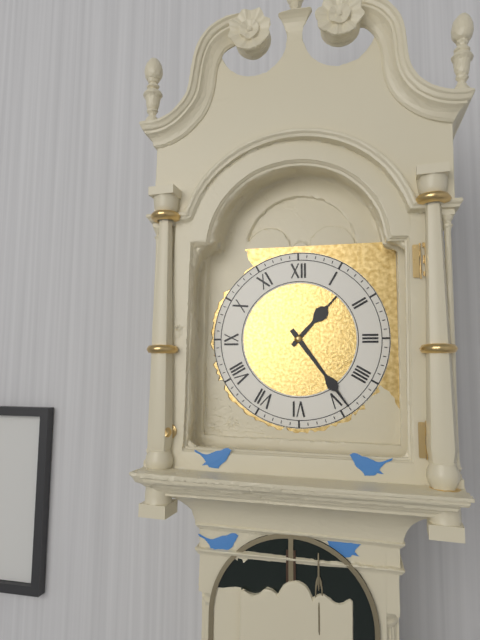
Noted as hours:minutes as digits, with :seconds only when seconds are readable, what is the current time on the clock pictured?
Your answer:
1:24
